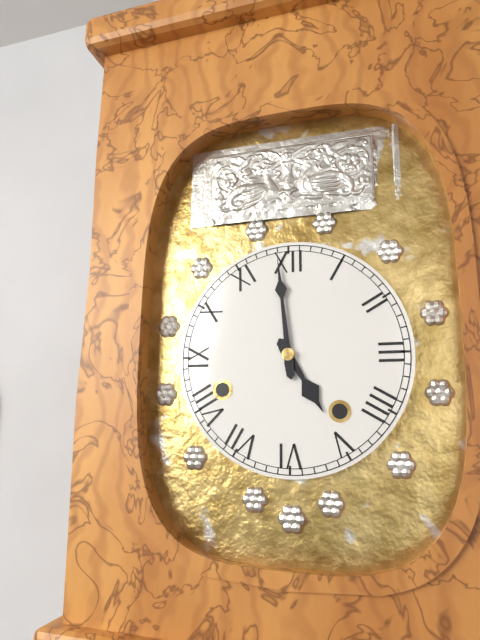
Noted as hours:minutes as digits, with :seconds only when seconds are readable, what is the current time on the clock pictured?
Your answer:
4:59
